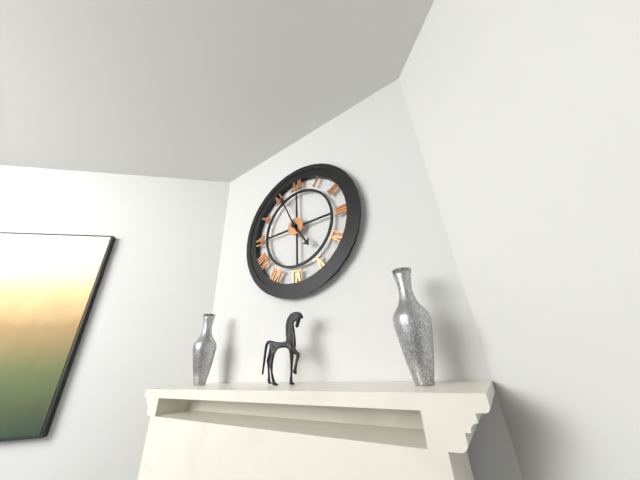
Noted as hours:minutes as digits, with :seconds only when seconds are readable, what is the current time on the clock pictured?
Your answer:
4:56
